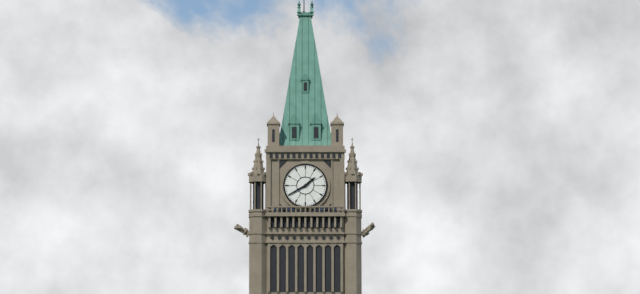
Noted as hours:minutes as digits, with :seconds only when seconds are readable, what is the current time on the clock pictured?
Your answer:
1:40
